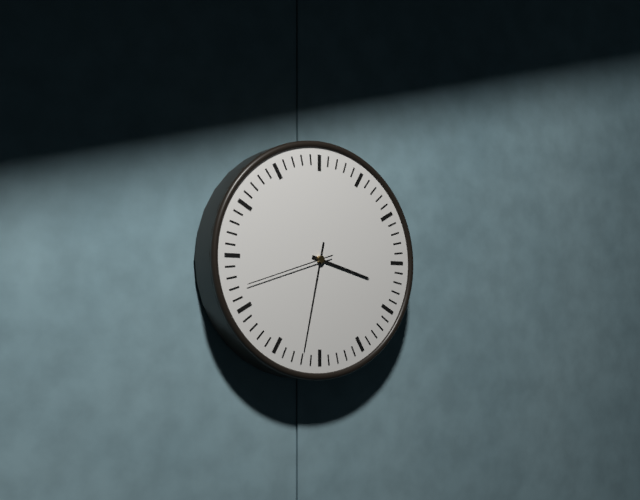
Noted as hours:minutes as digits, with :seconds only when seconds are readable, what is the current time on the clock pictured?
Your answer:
3:32:42
